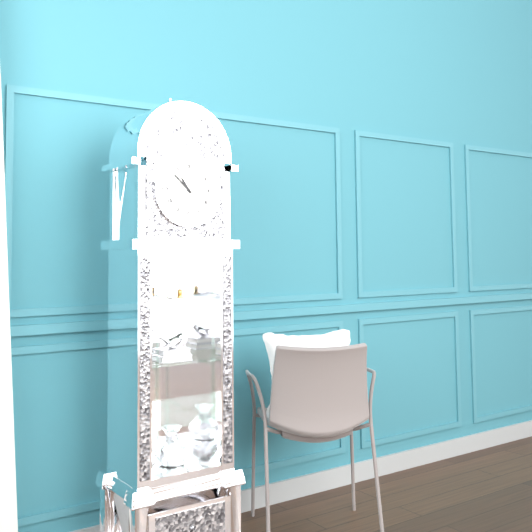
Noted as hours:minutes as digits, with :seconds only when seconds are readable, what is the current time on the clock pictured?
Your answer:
10:52
